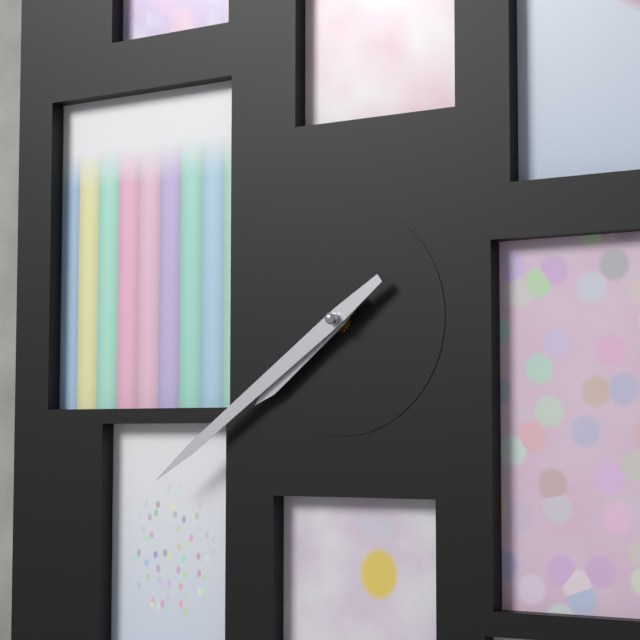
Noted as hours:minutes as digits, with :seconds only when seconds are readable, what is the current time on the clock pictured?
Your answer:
7:39
